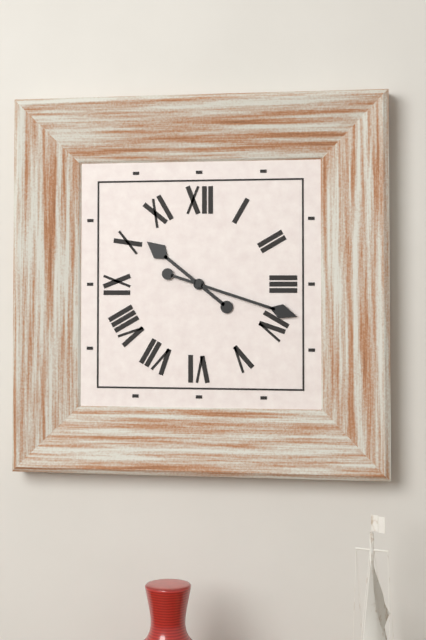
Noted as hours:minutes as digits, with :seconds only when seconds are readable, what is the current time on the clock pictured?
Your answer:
10:18
